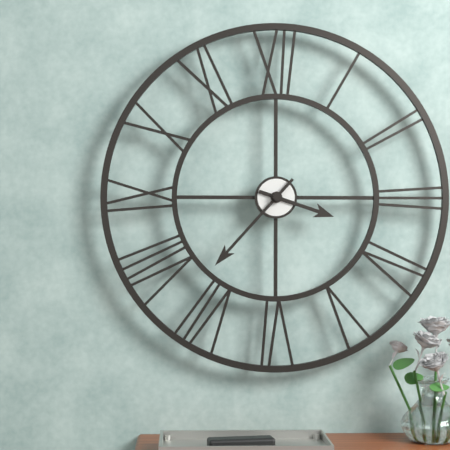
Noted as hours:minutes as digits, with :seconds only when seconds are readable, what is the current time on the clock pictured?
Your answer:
3:37
